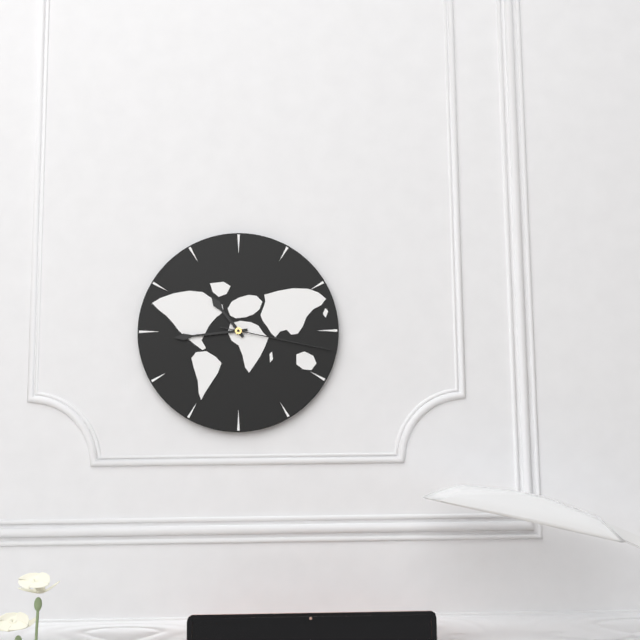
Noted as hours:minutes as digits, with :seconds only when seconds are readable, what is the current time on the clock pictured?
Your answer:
10:44:17
